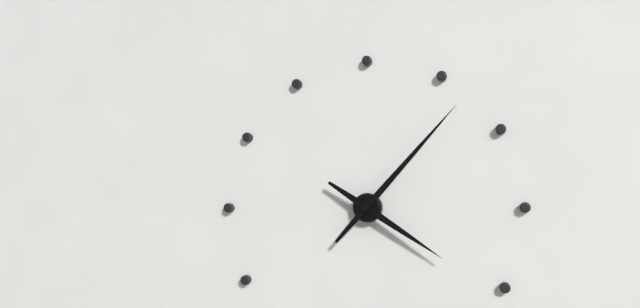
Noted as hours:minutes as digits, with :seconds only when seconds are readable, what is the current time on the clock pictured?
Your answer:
4:07
